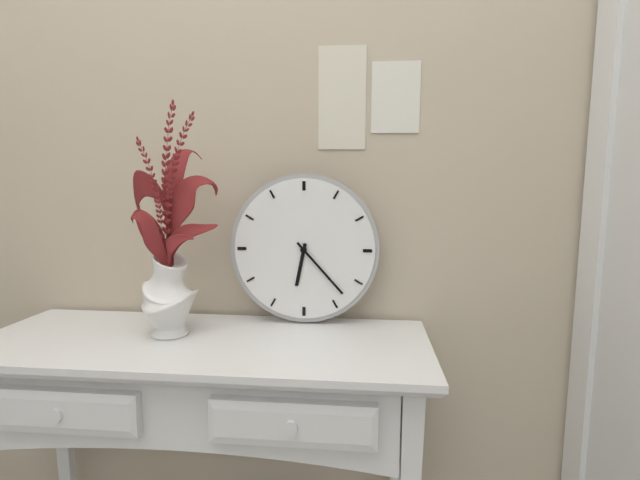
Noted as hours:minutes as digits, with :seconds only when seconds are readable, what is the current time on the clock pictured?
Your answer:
6:23
